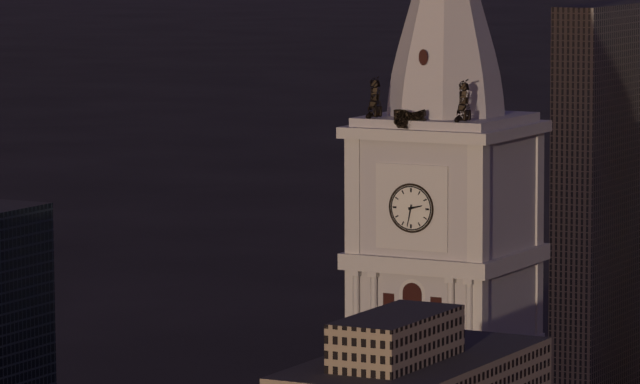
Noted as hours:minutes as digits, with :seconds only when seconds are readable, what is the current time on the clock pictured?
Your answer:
2:32
